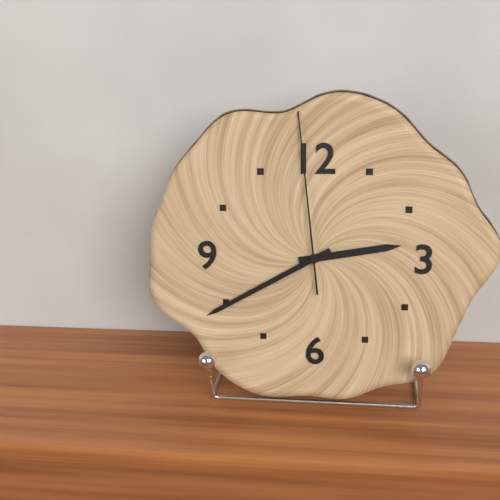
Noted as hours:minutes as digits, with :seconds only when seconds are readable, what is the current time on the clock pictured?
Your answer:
2:40:59
